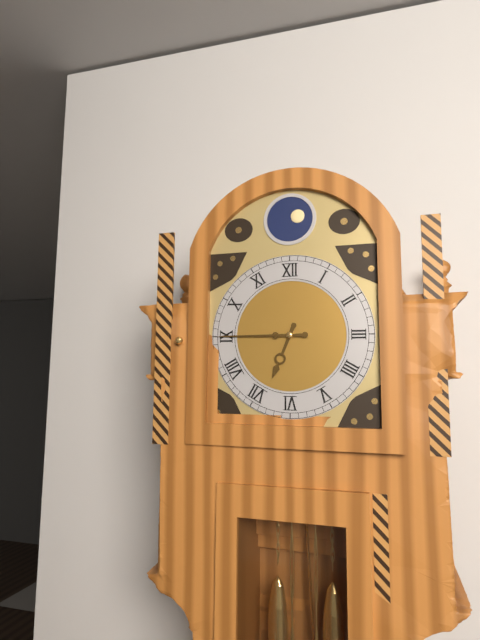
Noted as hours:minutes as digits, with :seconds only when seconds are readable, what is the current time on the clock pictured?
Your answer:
6:45
